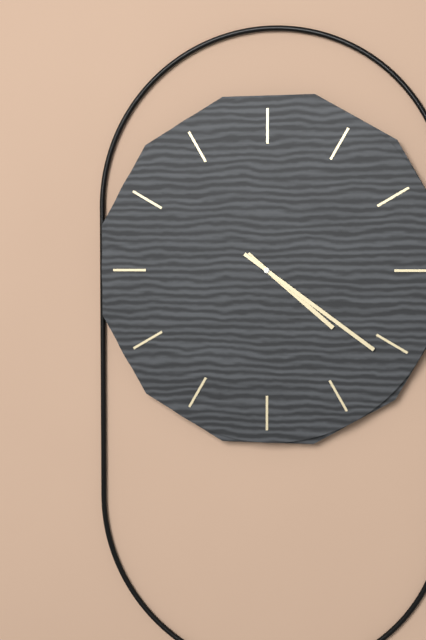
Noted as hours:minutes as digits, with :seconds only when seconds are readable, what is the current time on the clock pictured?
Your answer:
4:21
